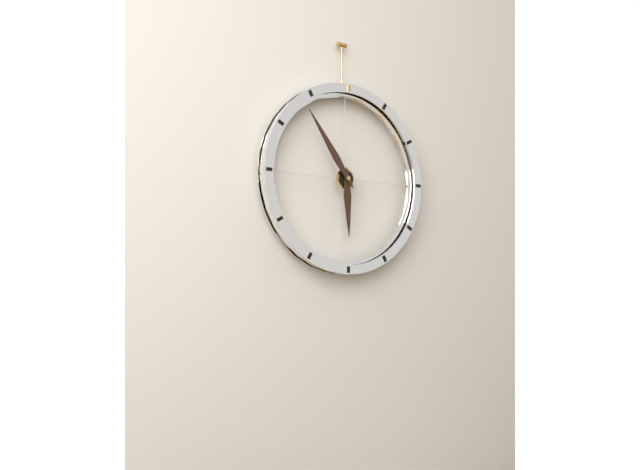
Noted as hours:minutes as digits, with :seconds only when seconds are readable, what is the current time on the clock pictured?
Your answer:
5:54
